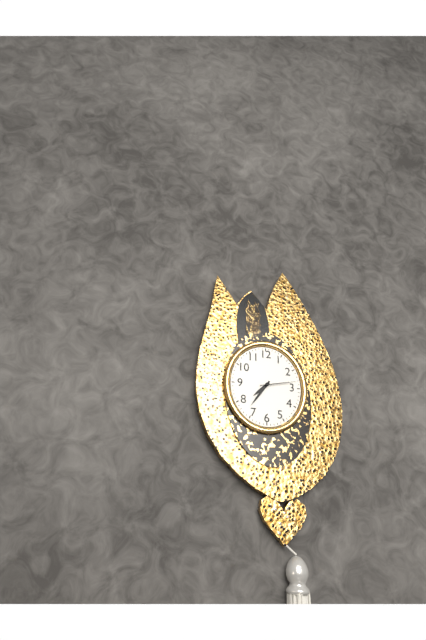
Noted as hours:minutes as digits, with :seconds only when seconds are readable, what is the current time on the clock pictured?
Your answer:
7:36
